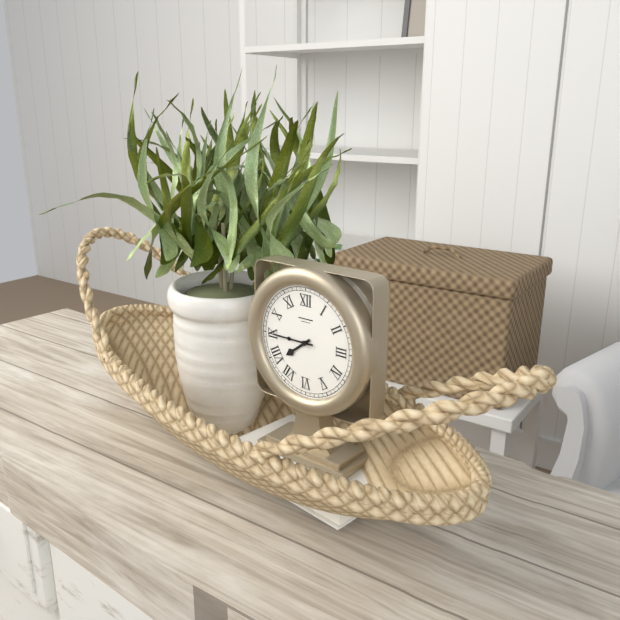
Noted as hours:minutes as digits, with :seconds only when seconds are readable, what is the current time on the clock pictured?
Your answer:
7:45
